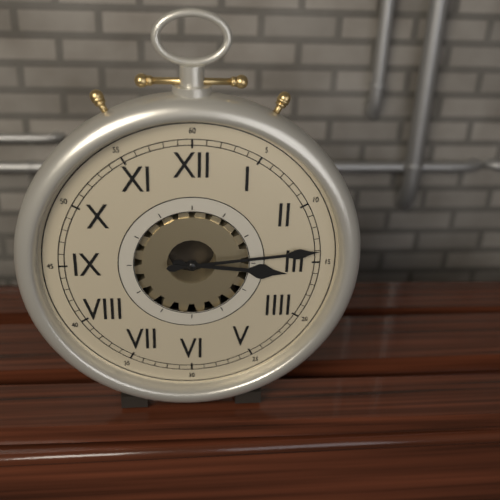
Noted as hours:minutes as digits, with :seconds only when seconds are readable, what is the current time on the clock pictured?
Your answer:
3:14
